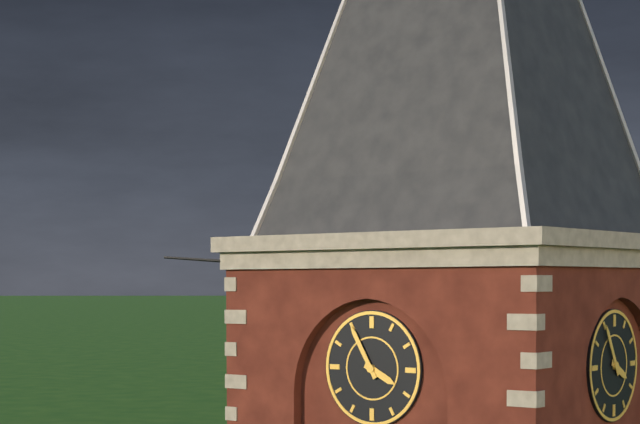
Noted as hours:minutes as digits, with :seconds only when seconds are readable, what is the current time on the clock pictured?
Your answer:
3:55
